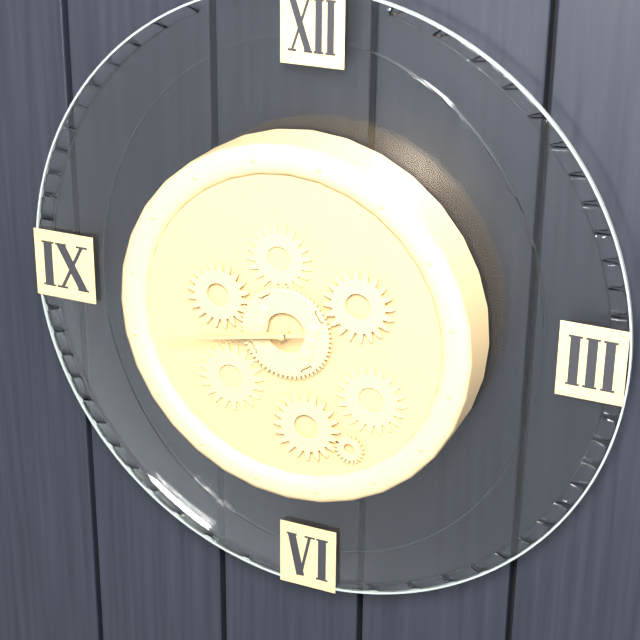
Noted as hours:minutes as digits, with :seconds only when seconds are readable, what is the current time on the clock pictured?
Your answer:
8:43
